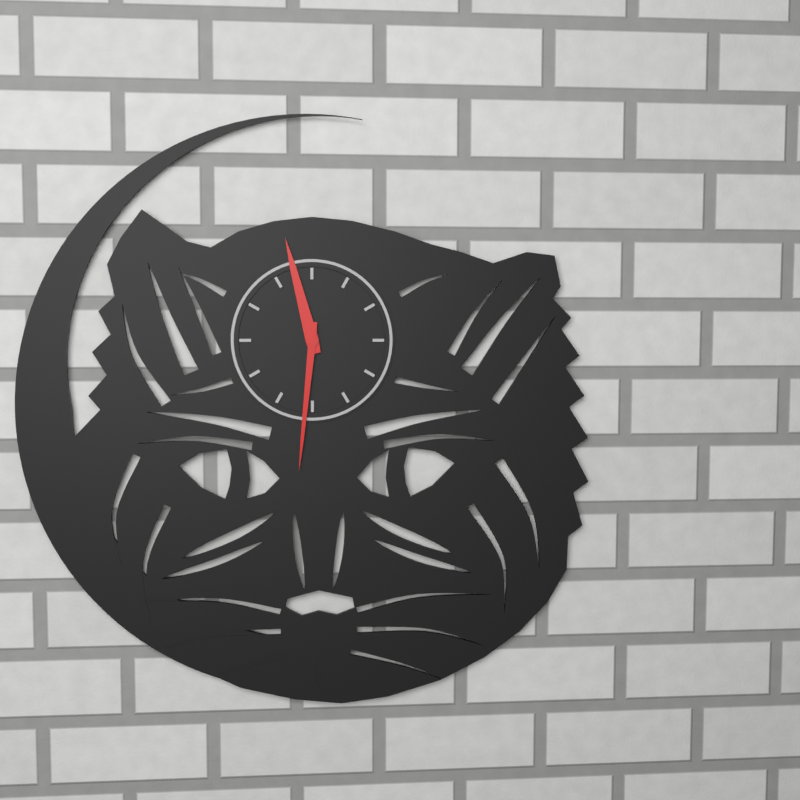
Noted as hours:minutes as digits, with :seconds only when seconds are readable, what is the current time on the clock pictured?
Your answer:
11:31
